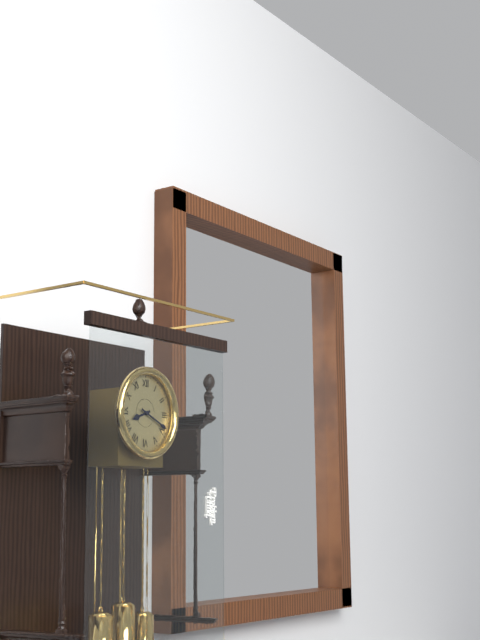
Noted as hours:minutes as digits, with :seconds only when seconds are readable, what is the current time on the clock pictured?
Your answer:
8:19
